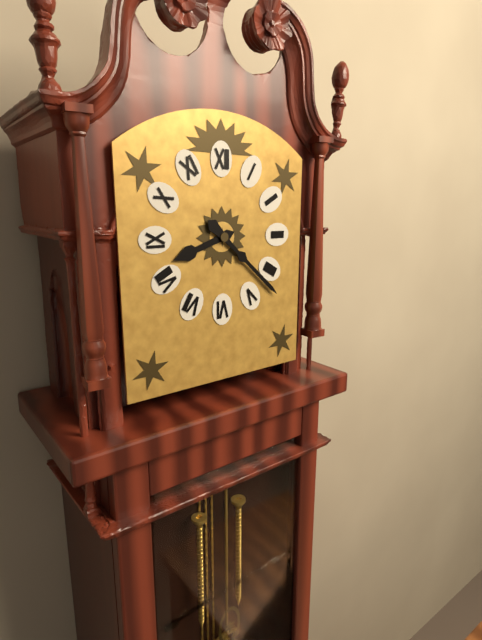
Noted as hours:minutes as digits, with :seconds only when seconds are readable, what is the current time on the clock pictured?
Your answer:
8:22
